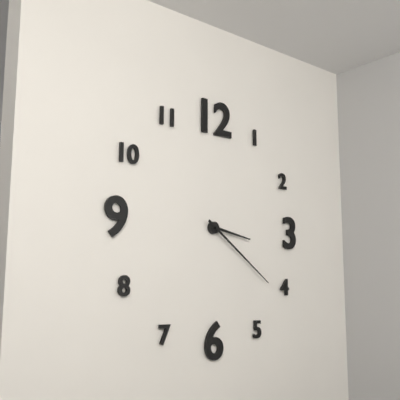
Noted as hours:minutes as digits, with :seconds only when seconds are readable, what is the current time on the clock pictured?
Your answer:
3:21
